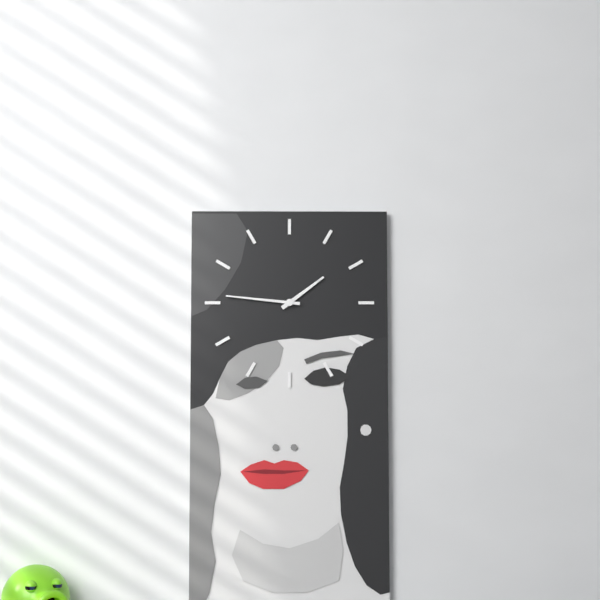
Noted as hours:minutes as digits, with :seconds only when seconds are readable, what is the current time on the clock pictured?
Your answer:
1:46
